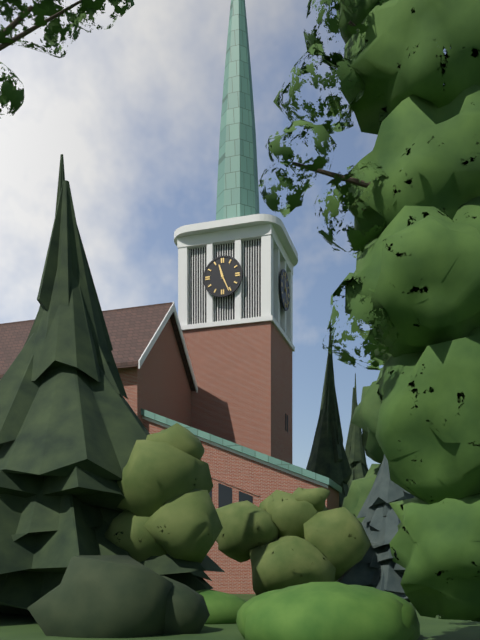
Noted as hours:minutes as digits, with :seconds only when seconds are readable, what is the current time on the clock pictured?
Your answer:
11:26
